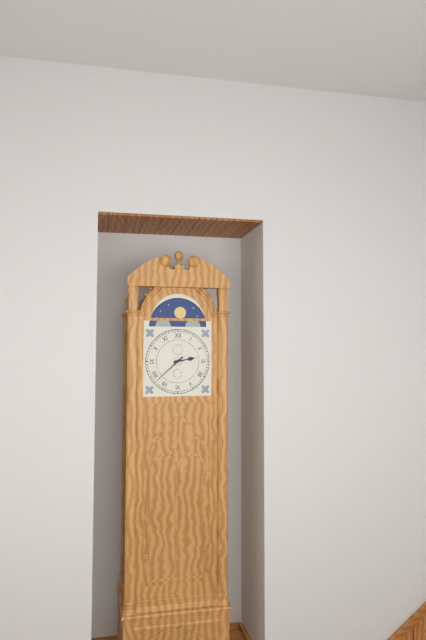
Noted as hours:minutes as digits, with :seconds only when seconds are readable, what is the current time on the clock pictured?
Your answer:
2:38
